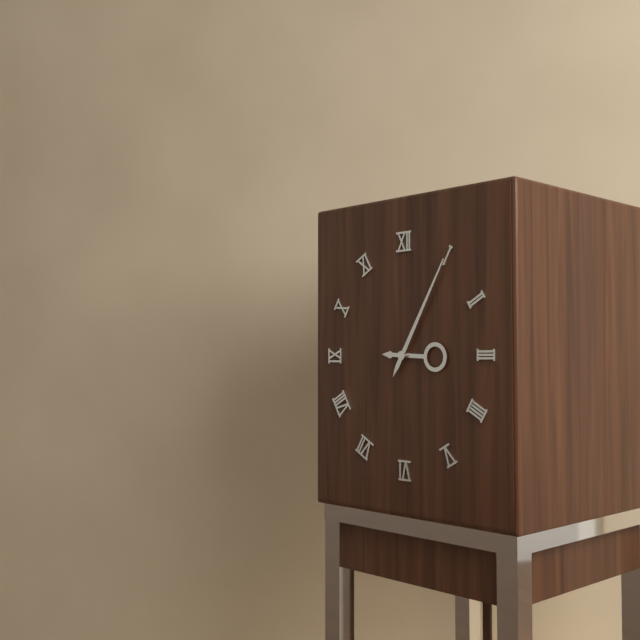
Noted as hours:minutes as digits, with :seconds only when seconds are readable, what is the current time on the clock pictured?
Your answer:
3:05
